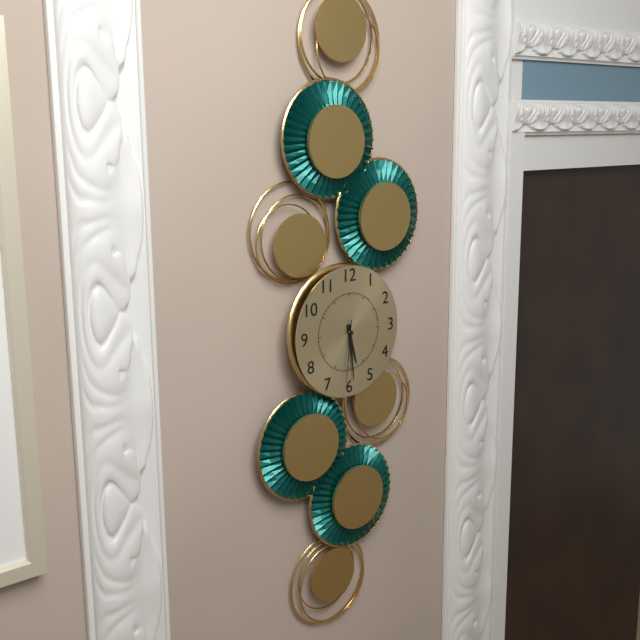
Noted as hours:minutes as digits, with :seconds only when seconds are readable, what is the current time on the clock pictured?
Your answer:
5:29:31
